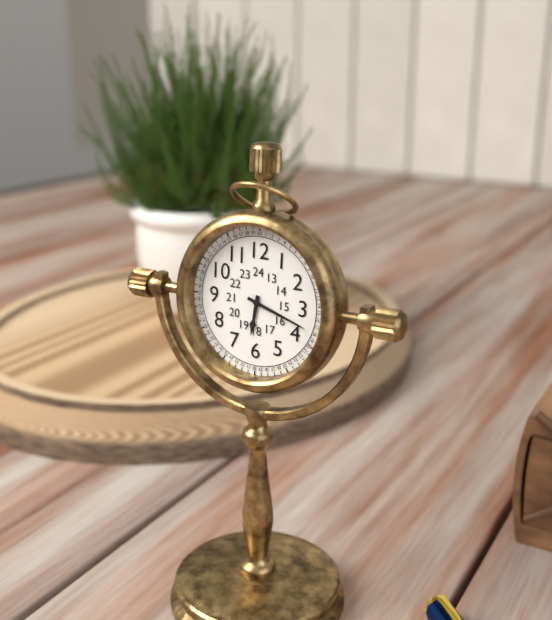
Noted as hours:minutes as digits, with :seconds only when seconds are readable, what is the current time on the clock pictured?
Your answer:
6:18
